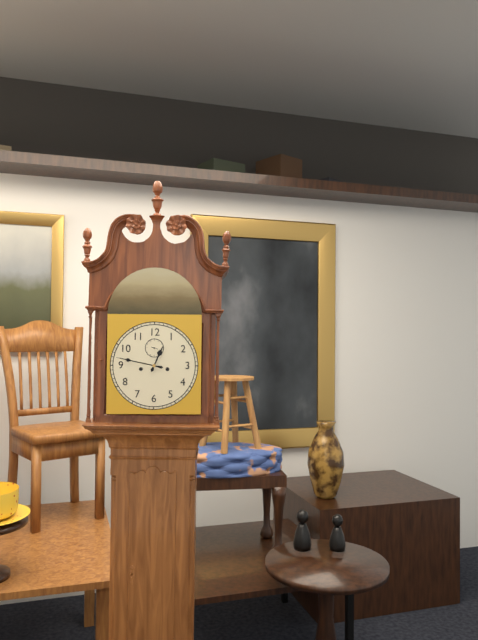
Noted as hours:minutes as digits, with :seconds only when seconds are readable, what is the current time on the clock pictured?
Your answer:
12:47
